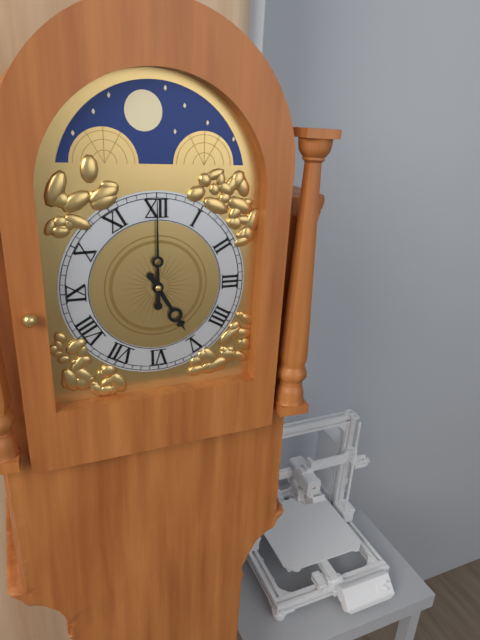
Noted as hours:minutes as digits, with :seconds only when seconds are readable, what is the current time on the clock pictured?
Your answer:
5:00
